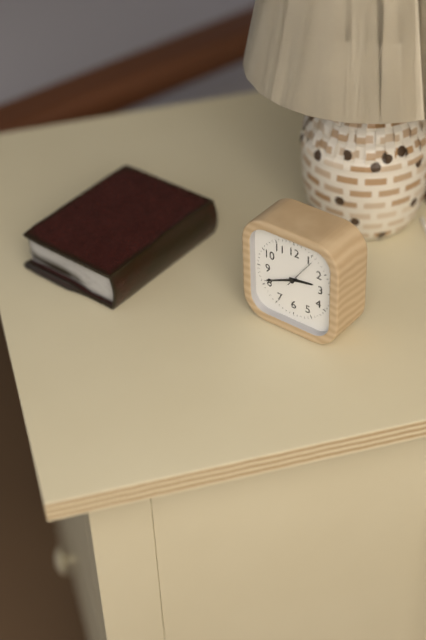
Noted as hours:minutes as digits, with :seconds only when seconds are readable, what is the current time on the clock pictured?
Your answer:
2:41
